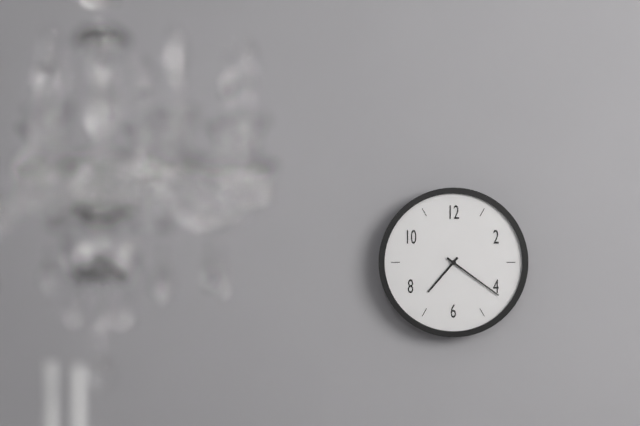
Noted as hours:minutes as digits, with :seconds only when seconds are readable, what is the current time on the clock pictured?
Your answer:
7:21
